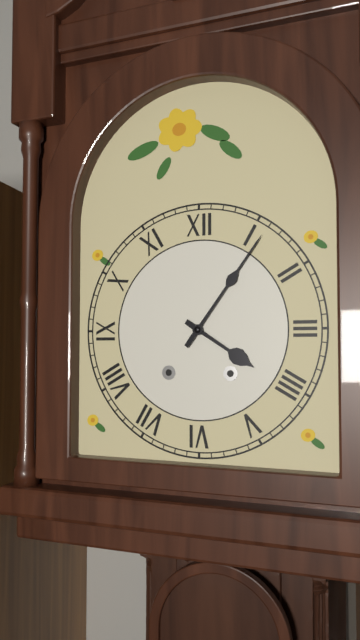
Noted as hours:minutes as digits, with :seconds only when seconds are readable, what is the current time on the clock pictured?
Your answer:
4:06
